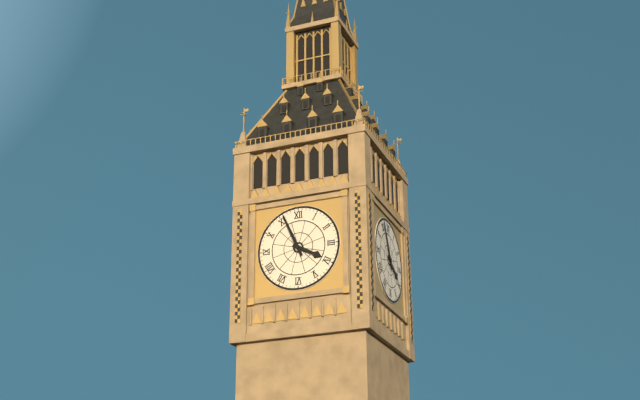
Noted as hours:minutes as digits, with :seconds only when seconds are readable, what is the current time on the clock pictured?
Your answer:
3:56
